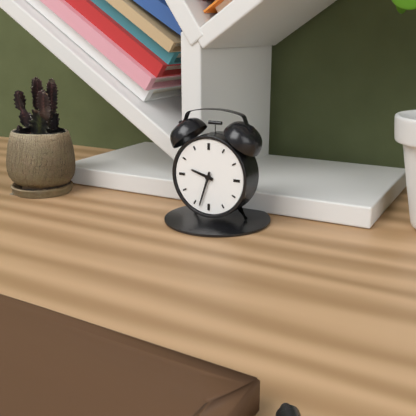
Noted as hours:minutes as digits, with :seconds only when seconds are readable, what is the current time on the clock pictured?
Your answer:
9:33
